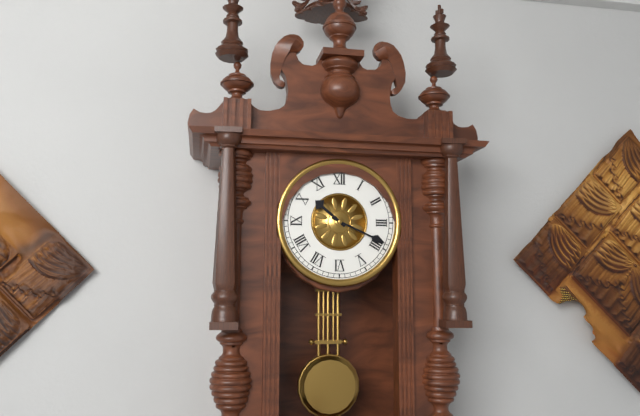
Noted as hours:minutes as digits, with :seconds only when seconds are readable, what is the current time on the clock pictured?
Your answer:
10:19
